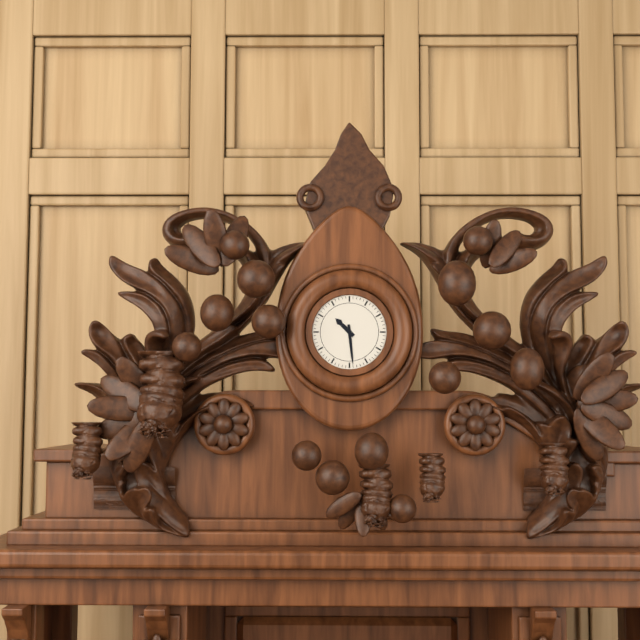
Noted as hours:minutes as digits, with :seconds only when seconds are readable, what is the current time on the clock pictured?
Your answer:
10:29
